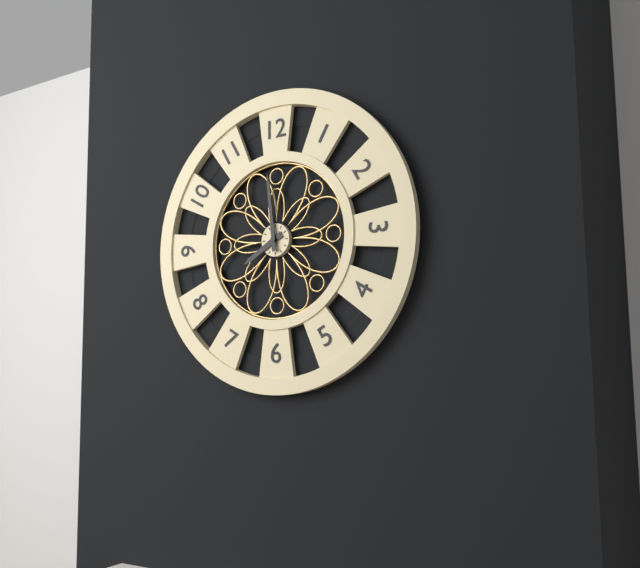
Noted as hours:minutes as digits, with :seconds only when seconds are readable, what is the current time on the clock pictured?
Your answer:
7:59
